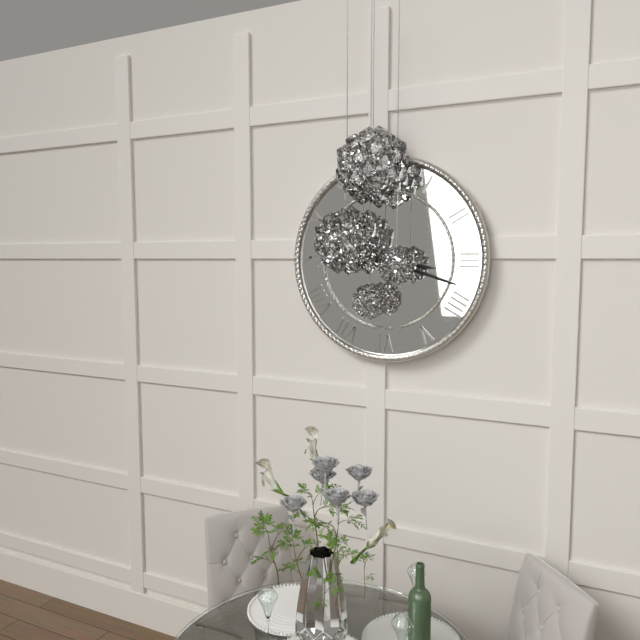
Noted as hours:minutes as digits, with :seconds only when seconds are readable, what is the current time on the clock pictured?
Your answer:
3:18
